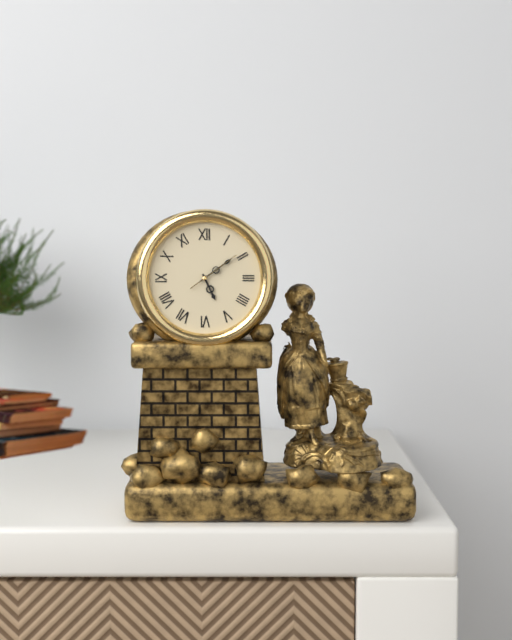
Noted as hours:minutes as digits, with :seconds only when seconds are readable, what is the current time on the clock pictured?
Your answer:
5:09
